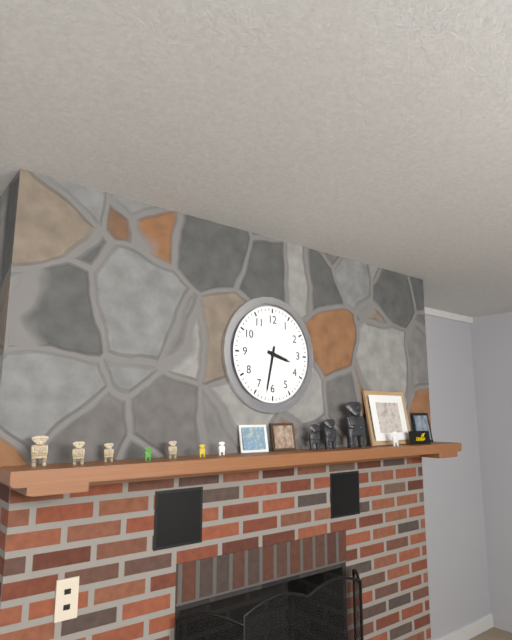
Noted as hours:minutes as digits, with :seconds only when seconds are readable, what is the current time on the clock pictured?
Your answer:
3:32
